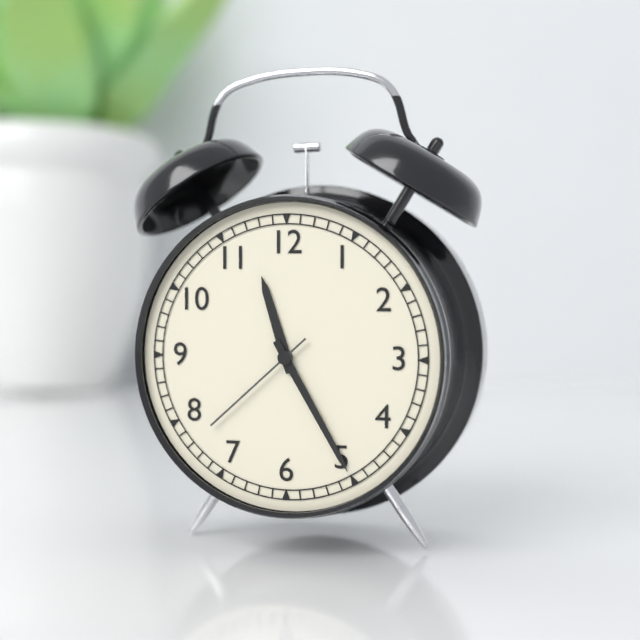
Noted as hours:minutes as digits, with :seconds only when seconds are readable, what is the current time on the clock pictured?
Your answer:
11:25:38
